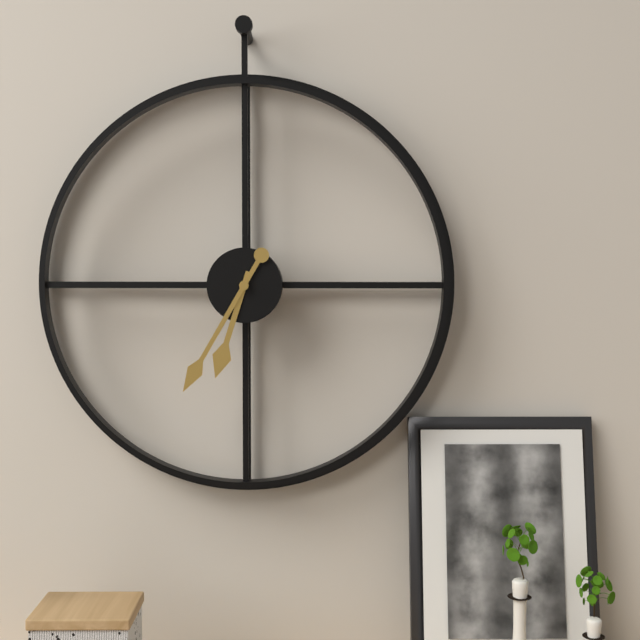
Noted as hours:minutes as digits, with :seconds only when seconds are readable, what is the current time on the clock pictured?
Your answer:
6:35
